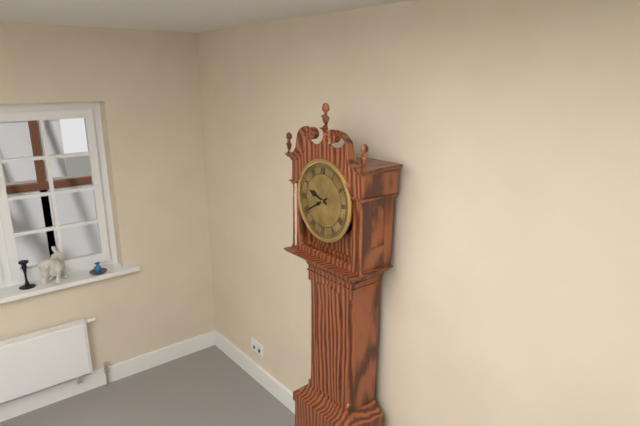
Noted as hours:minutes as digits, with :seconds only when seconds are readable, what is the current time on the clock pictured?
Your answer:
9:40
